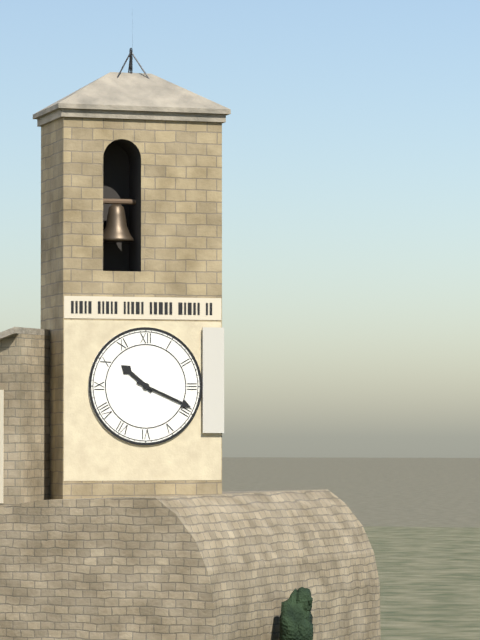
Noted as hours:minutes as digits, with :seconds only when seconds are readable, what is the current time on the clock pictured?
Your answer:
10:19
